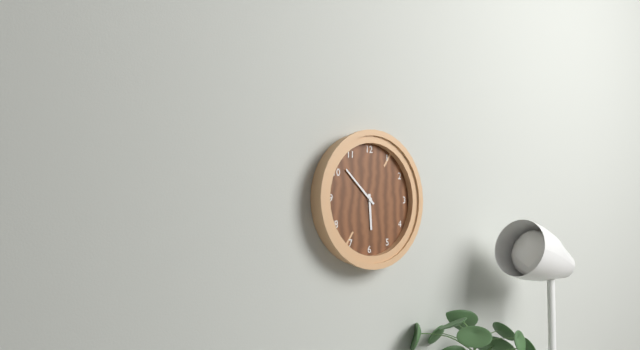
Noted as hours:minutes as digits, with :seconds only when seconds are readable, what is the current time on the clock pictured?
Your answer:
5:52
